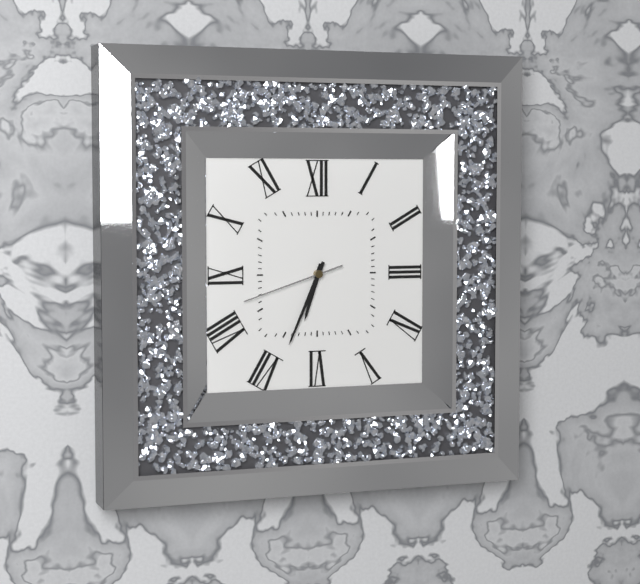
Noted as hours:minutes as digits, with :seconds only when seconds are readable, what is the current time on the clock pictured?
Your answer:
6:34:42
